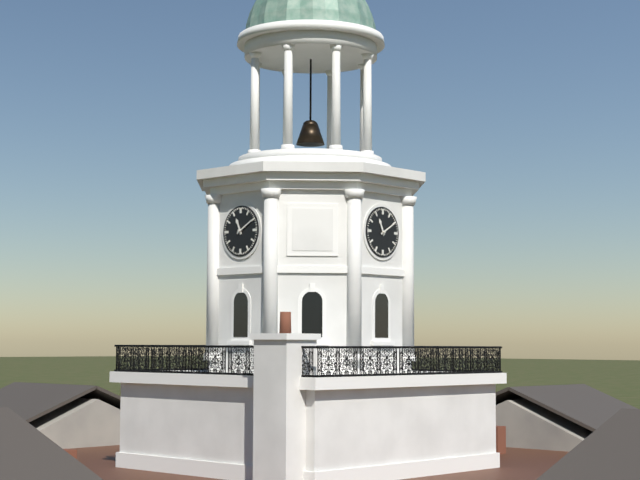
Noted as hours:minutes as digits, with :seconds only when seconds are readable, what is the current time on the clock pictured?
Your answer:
11:10
